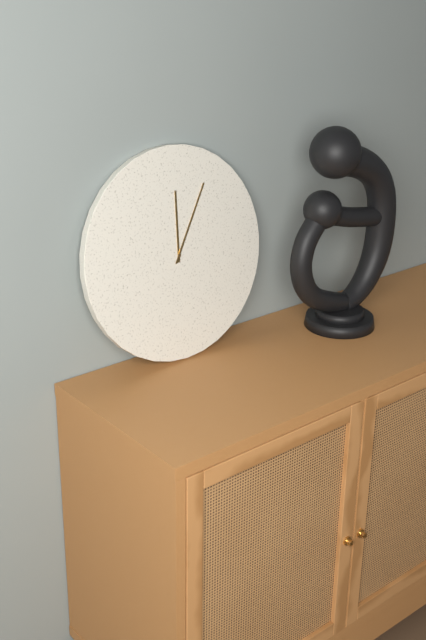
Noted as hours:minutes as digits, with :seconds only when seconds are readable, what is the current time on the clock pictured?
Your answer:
12:05
